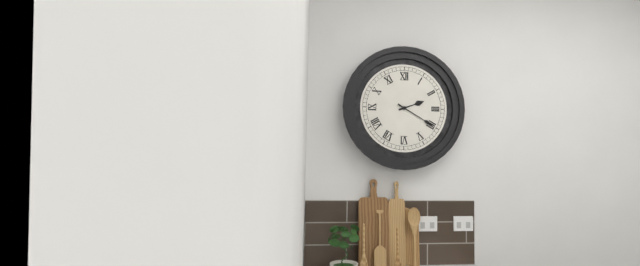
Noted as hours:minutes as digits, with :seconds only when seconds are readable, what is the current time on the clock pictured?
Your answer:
2:20
